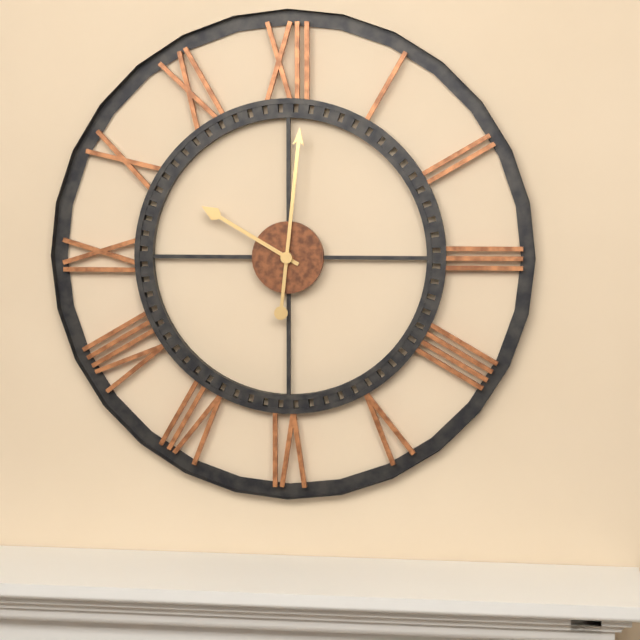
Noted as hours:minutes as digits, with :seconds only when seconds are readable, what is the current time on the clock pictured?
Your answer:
10:01
